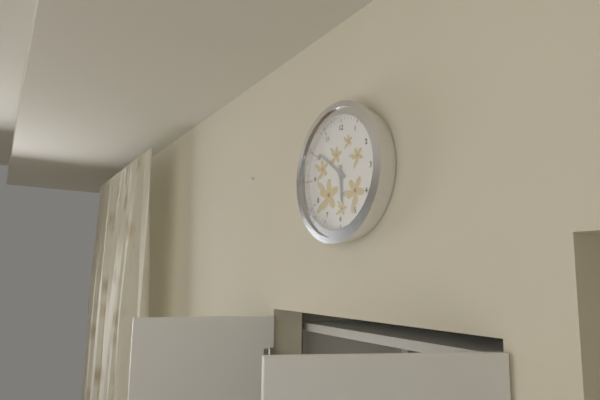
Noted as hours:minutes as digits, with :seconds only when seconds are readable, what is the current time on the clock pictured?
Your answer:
5:51
